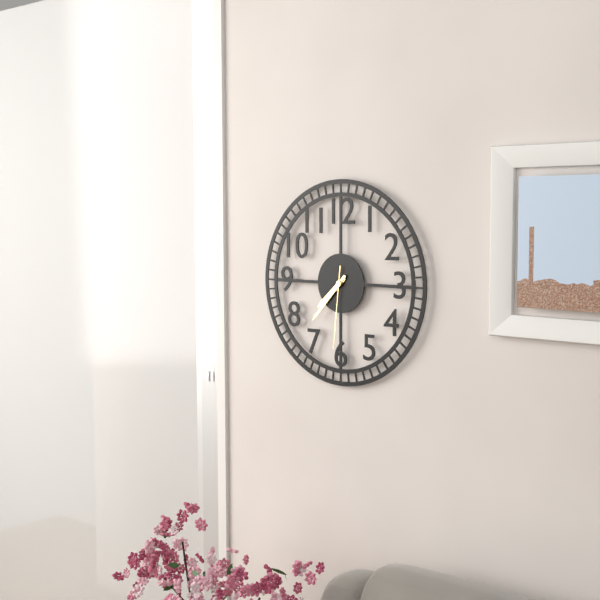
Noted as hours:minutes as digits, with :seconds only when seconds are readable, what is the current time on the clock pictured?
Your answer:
7:37:31
